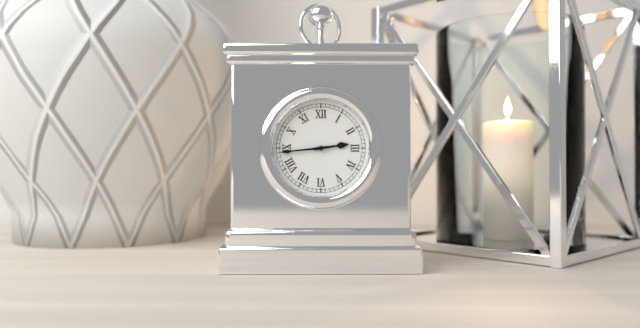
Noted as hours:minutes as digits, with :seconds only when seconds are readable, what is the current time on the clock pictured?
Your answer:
2:44
